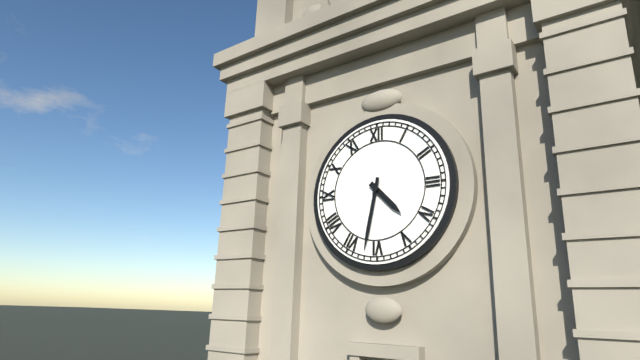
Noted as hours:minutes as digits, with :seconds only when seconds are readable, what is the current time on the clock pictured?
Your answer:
4:32
